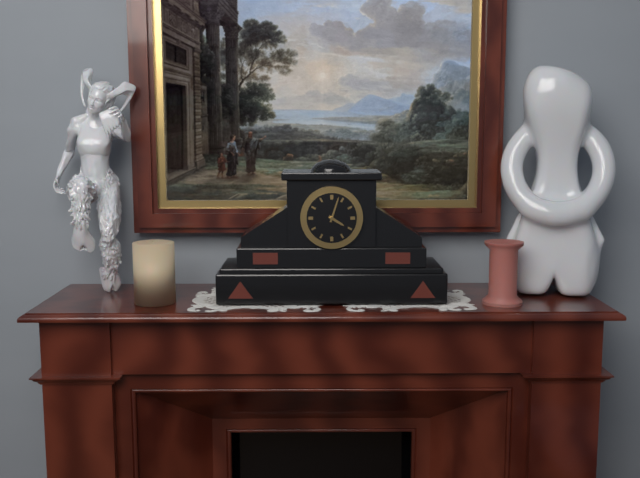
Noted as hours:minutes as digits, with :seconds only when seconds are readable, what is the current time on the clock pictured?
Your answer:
4:03
